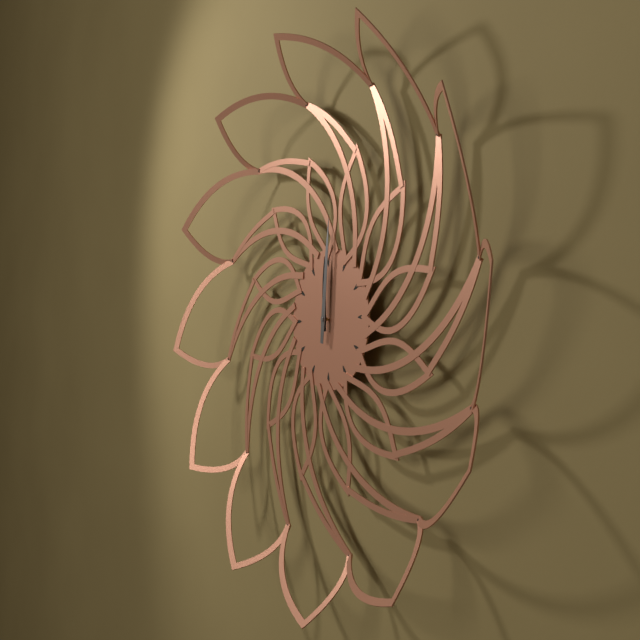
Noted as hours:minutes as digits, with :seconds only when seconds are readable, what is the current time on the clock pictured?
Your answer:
12:01
